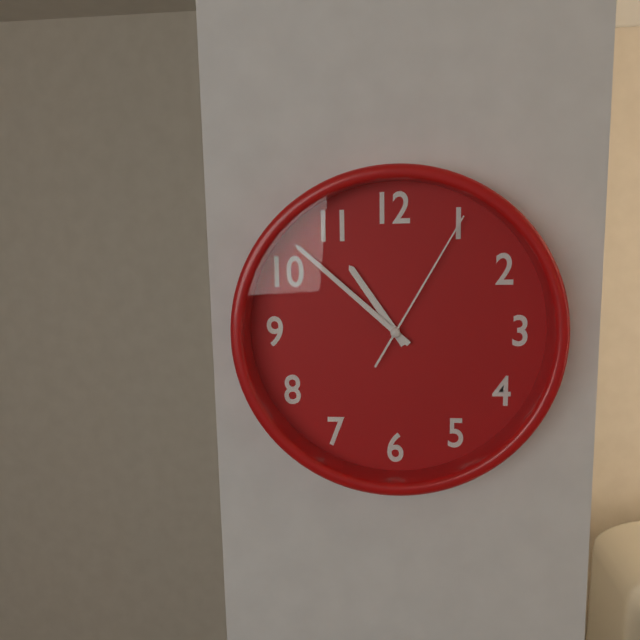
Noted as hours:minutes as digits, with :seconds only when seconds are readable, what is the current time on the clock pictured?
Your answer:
10:52:05
